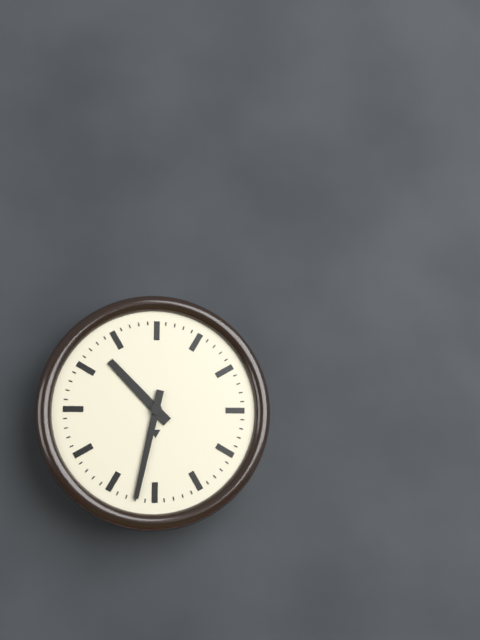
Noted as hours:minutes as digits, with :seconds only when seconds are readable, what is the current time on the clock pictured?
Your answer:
10:32
